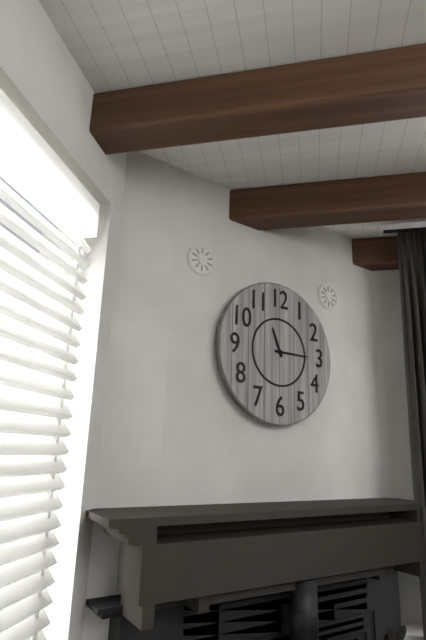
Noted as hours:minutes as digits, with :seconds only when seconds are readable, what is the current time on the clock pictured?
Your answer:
11:15
